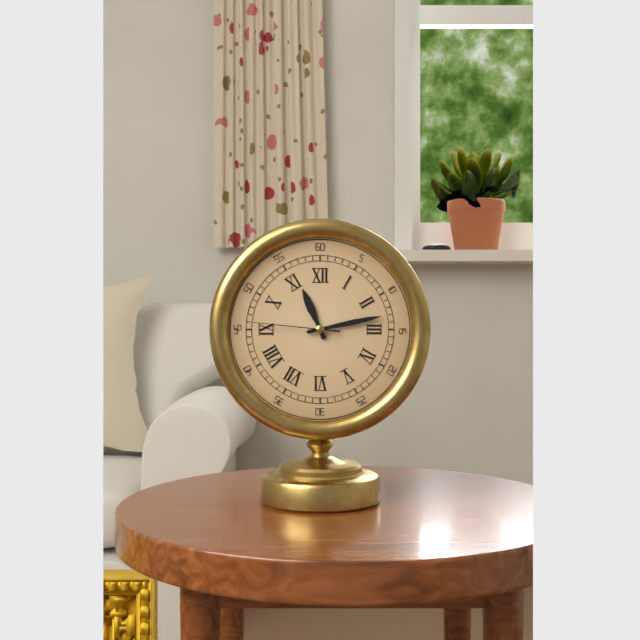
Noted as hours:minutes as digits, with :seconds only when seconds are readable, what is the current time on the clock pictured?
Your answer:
11:13:46
